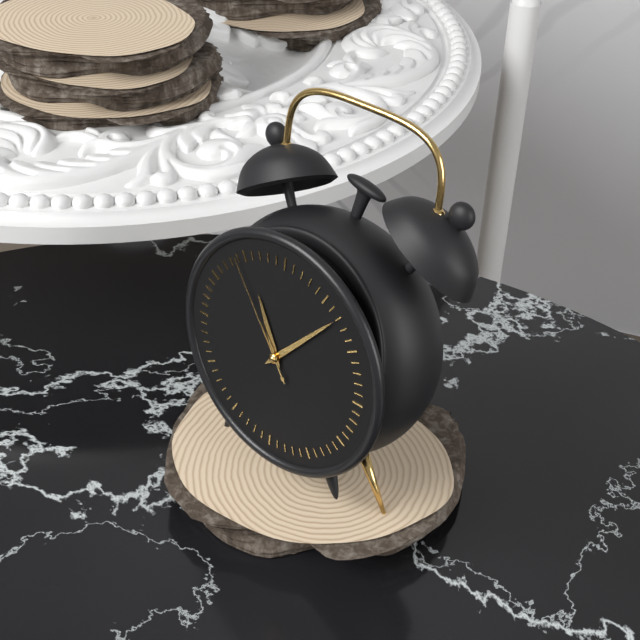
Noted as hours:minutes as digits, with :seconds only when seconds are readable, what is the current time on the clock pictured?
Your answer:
11:07:54
